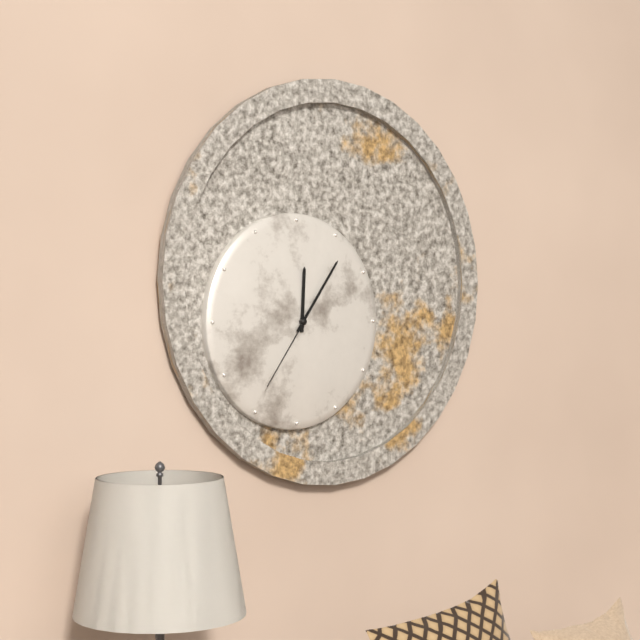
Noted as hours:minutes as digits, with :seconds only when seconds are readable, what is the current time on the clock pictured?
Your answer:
12:06:36
